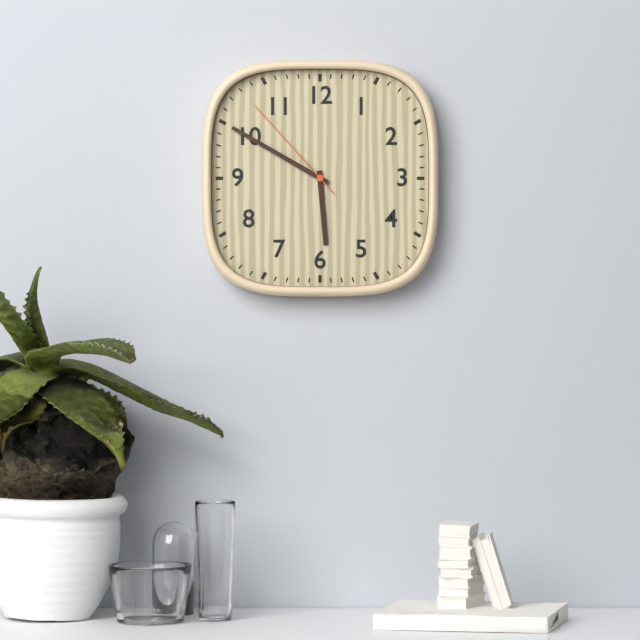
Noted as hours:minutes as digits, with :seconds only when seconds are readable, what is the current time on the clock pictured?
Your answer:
5:50:53
